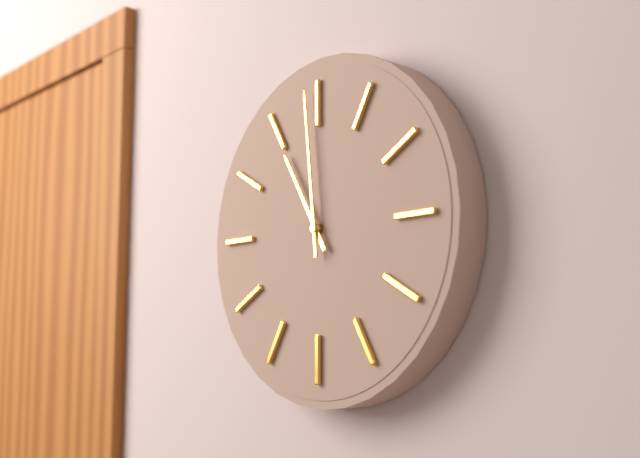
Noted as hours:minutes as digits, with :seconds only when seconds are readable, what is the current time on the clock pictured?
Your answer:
10:59
